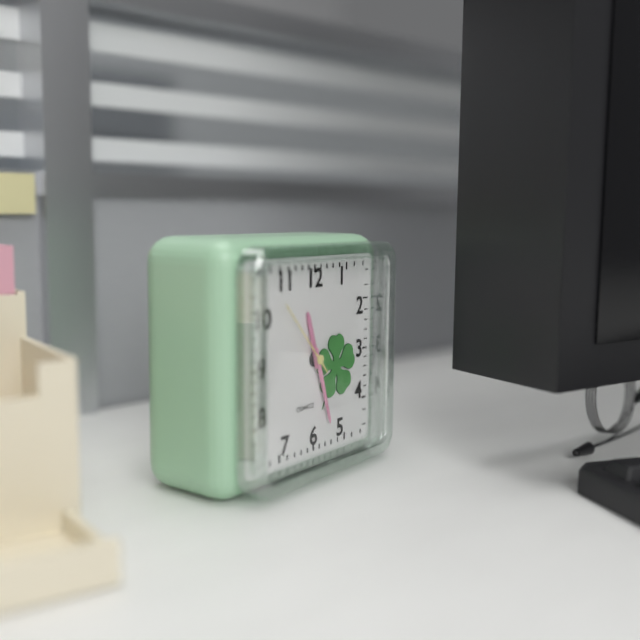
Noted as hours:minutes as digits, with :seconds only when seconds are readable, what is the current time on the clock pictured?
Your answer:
11:27:53
